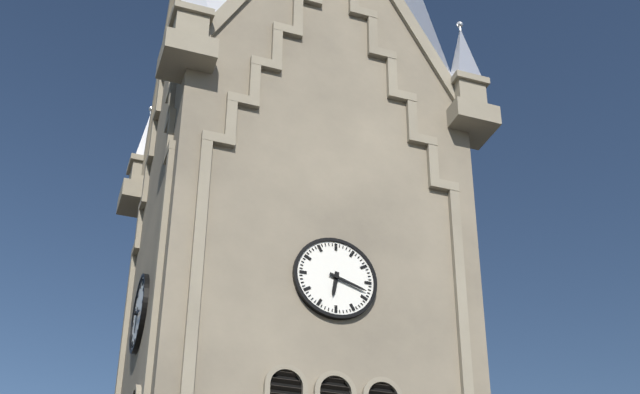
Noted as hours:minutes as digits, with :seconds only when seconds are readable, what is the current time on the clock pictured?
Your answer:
6:18
